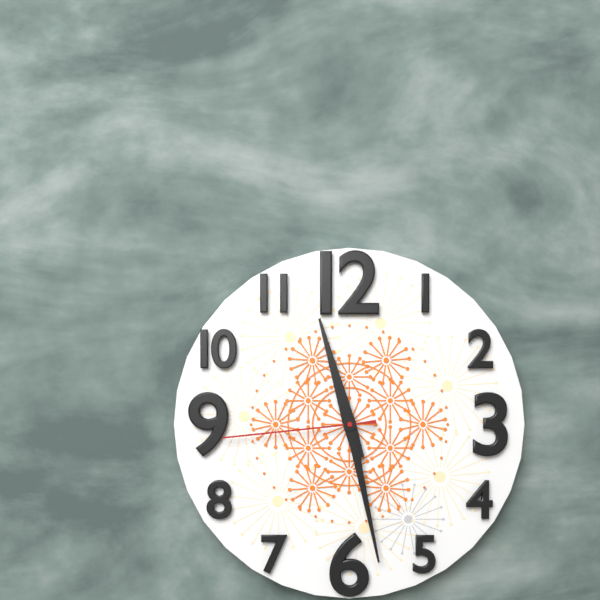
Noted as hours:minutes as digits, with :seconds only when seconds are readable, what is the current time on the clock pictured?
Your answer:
11:28:44
